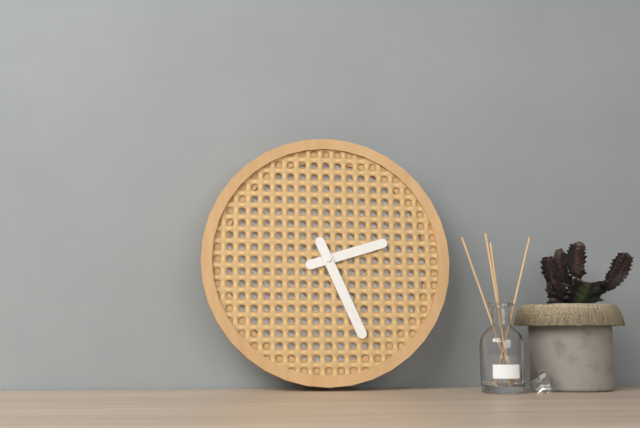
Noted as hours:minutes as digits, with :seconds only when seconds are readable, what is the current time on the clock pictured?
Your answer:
2:26
